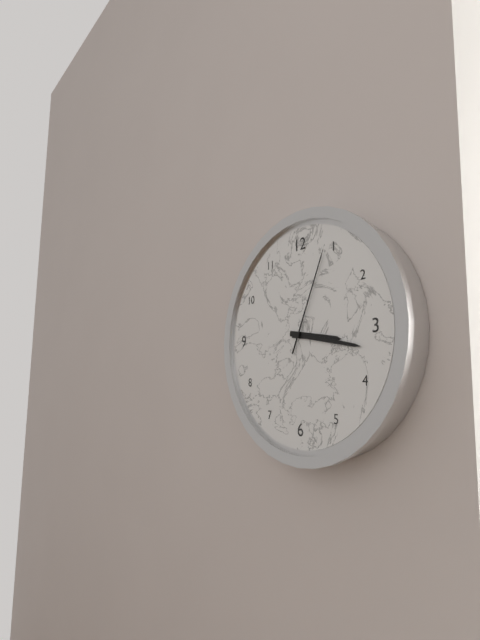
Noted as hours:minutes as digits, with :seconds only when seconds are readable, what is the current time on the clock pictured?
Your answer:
3:17:04
